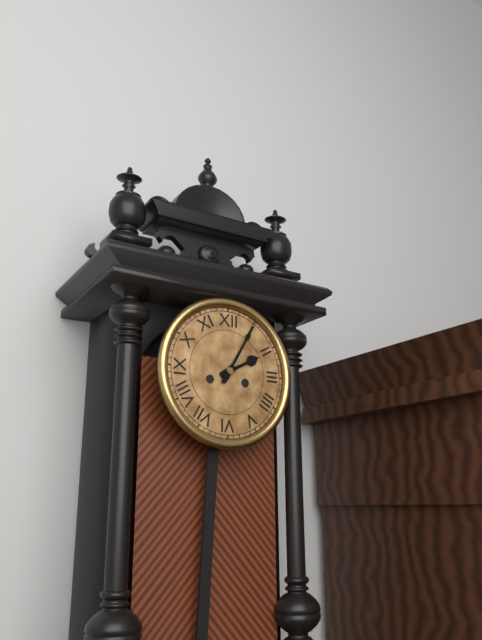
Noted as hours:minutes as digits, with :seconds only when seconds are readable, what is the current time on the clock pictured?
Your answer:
2:05
